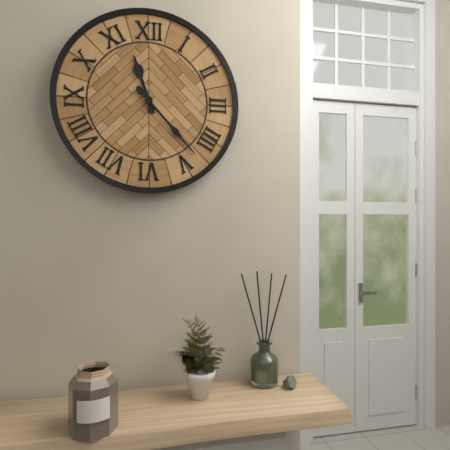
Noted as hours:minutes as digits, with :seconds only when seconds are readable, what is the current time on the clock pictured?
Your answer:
11:23
